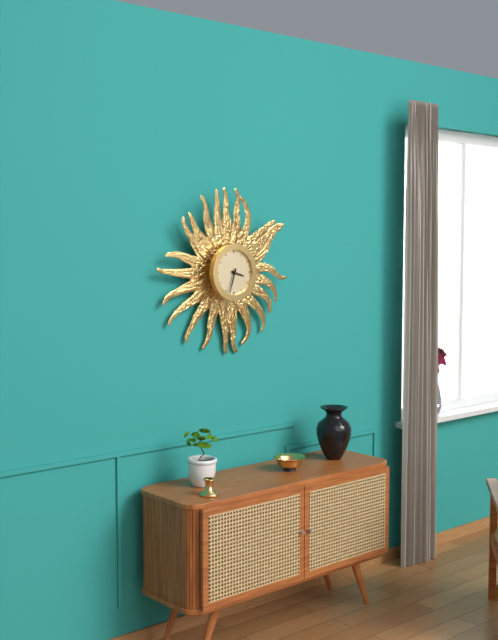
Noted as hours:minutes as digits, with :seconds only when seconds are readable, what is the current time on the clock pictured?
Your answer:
3:33
